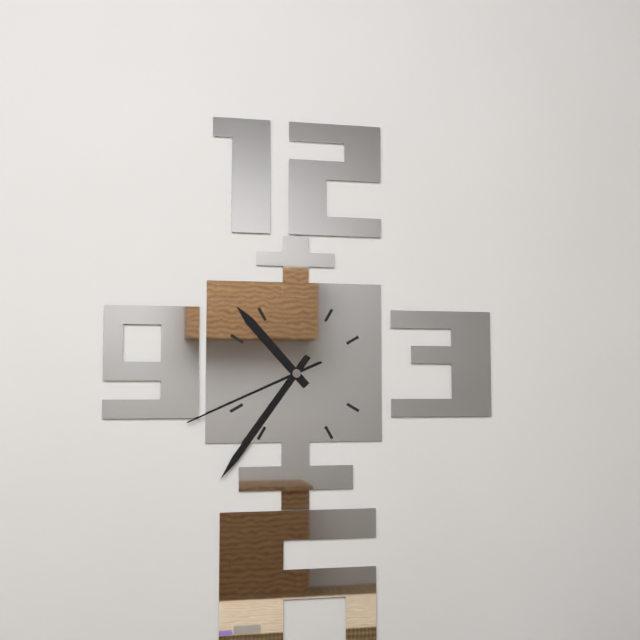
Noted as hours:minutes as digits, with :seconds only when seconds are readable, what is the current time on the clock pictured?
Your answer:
10:36:41
